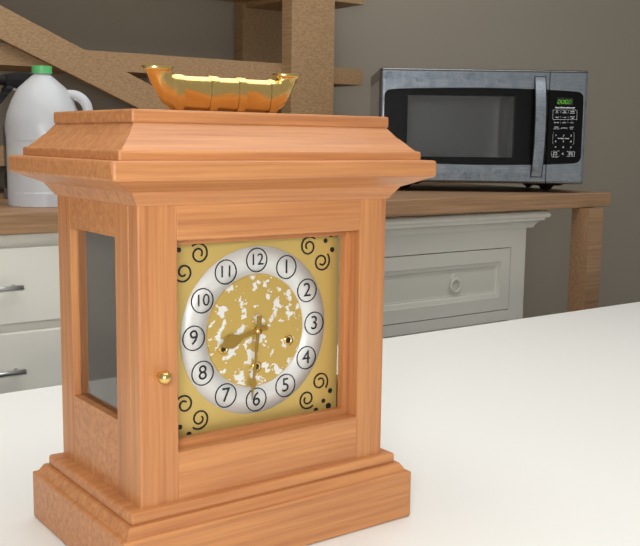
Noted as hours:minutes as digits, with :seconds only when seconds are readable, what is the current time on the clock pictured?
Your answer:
8:31
